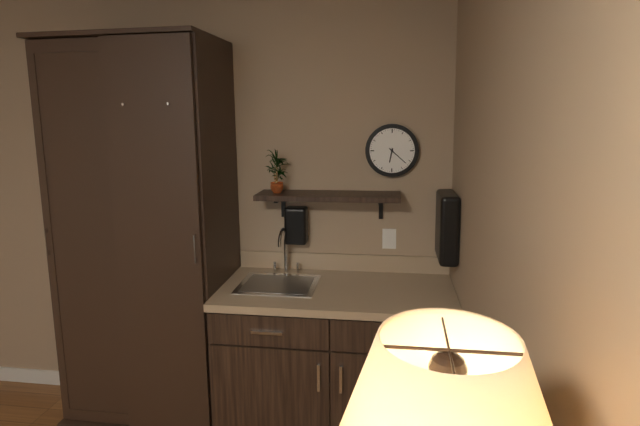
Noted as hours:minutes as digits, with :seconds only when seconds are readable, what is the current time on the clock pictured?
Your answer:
6:22
